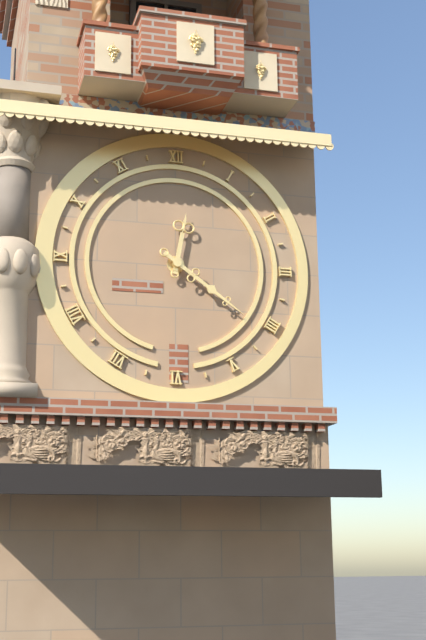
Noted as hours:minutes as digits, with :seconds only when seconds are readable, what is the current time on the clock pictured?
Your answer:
12:21
